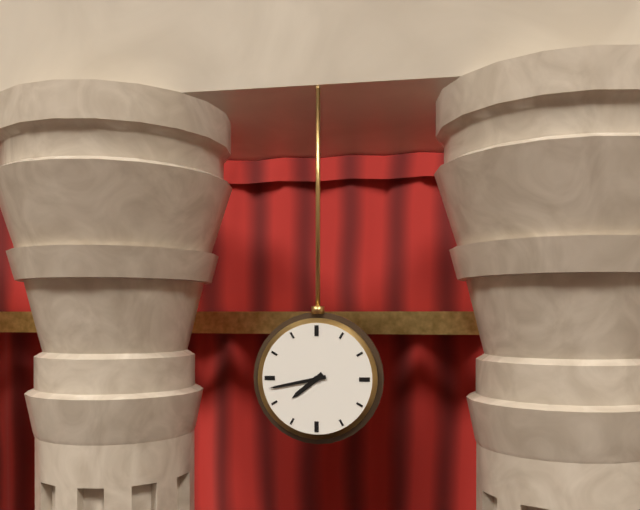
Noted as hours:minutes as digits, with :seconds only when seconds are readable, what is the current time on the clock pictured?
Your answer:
7:43
